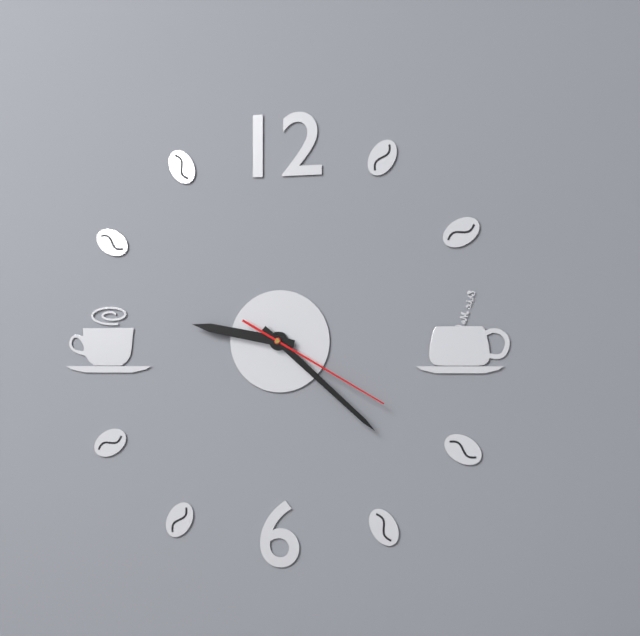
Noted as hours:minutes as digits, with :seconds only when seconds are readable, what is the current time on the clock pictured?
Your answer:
9:22:20
